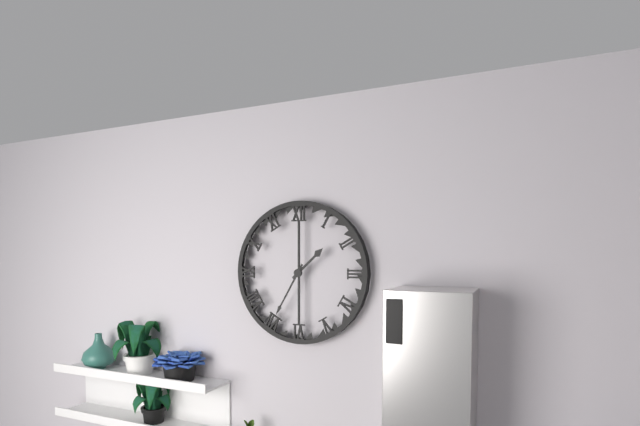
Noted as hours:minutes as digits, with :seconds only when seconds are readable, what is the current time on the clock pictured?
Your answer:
1:35
